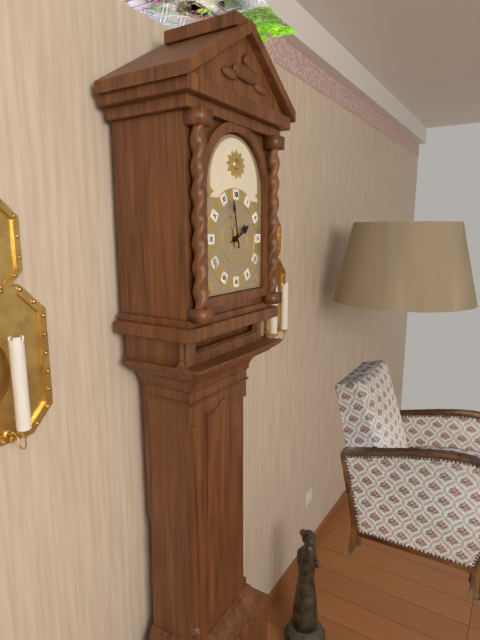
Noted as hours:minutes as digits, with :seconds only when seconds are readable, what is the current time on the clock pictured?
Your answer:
1:58
